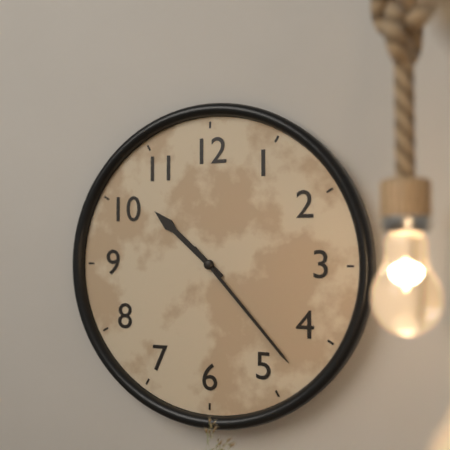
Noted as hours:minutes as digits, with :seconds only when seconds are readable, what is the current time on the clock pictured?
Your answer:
10:23
